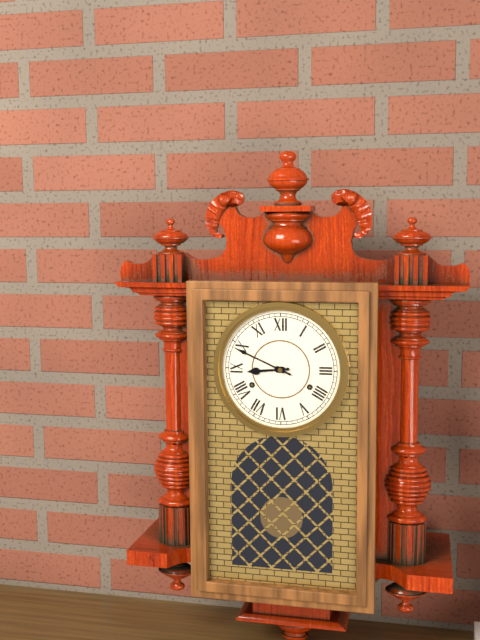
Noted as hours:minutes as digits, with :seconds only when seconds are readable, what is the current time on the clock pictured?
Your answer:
8:49
